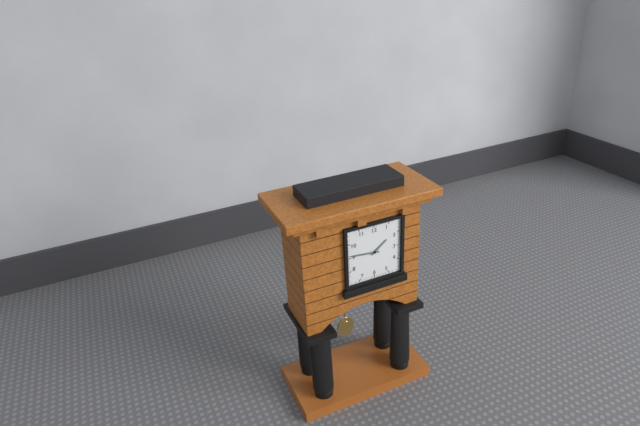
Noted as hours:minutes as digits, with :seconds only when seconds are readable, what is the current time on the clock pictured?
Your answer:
1:46
